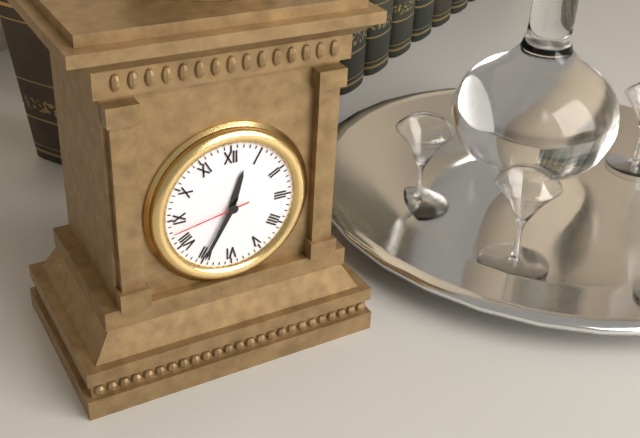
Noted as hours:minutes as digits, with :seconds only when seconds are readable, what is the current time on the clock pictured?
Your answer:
12:35:43
